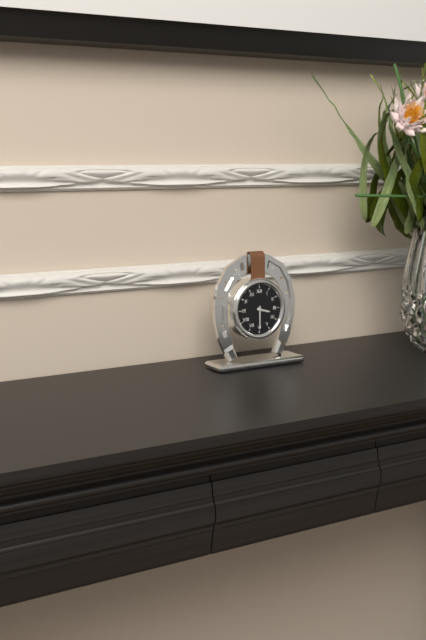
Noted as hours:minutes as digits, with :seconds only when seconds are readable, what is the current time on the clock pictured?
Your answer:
3:30
